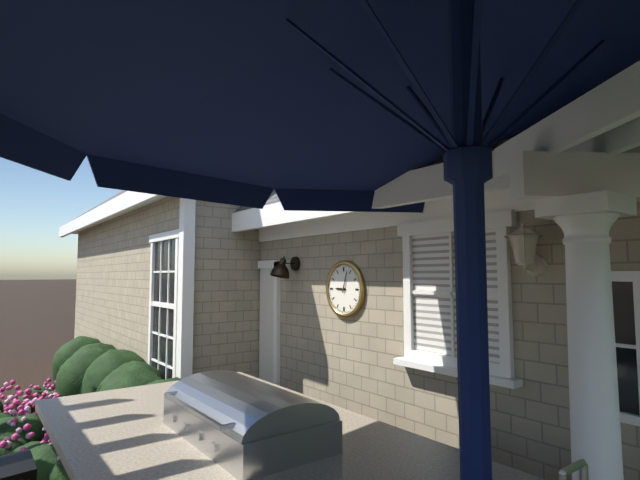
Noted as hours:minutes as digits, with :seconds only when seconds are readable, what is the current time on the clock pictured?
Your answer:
9:03
